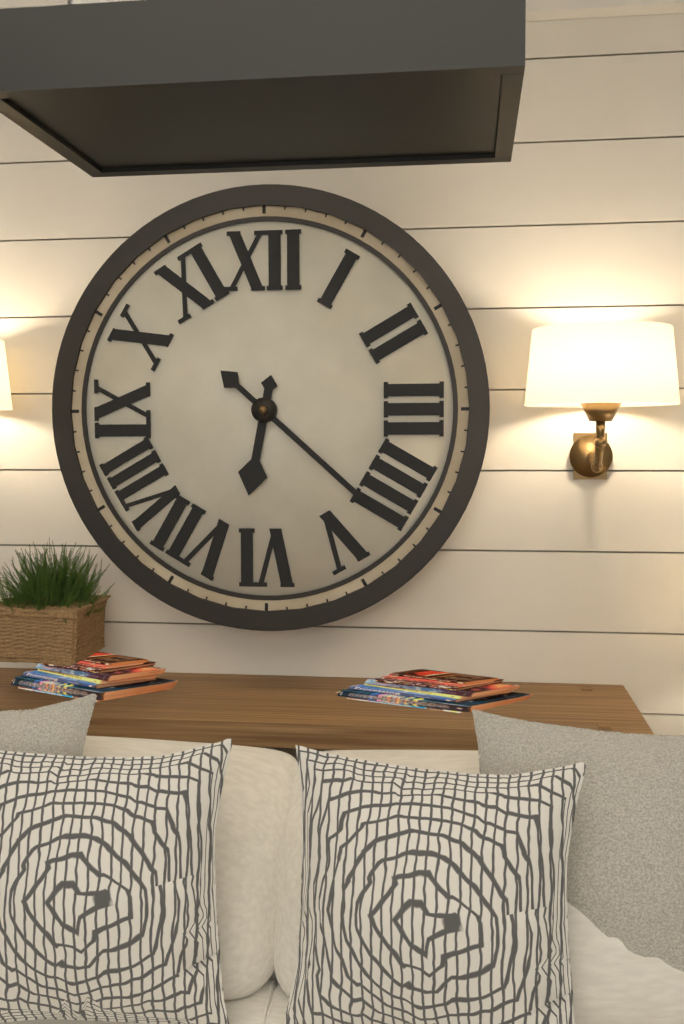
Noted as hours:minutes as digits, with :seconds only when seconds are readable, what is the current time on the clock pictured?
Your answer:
6:22
